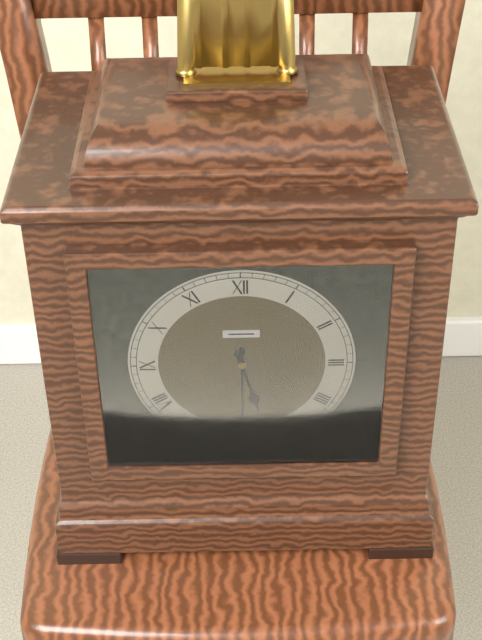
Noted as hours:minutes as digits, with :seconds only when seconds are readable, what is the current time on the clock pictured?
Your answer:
5:30
